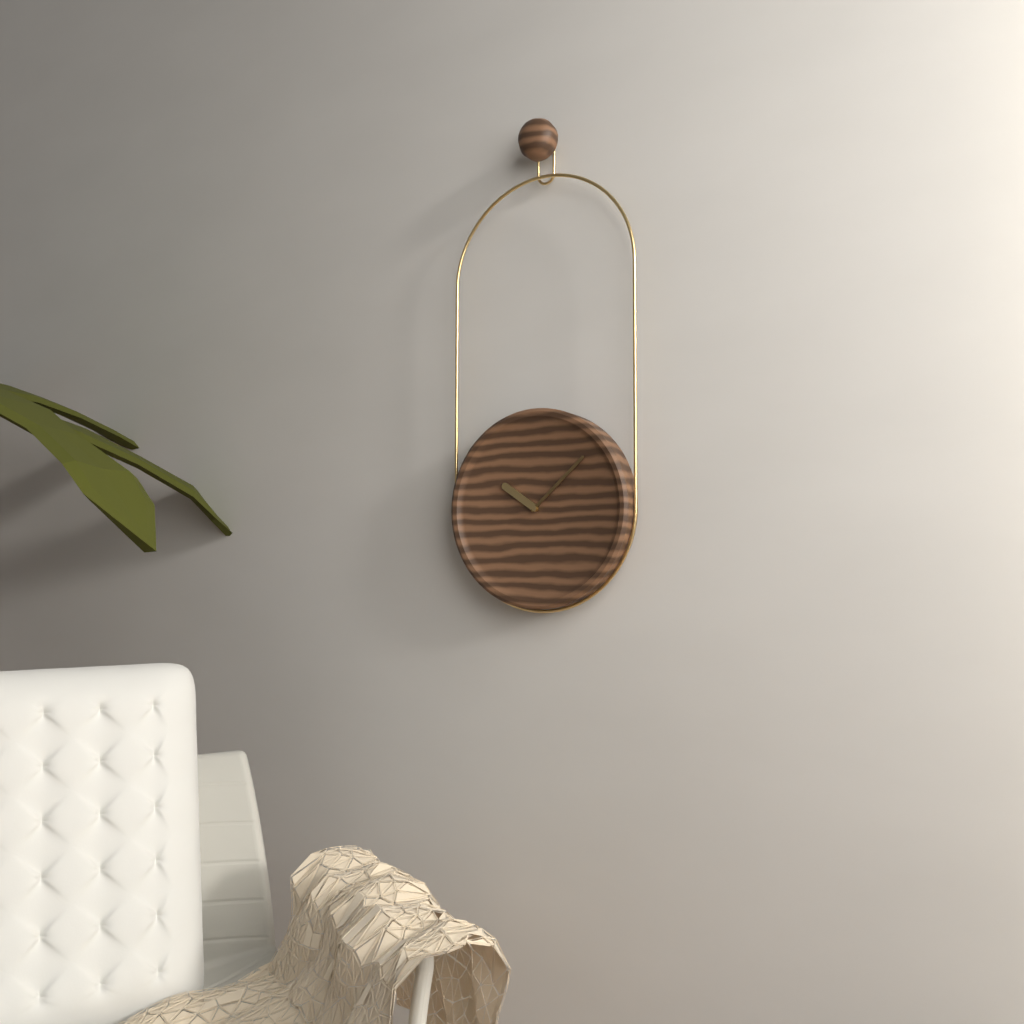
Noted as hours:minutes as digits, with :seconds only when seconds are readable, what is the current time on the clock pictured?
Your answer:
10:08
